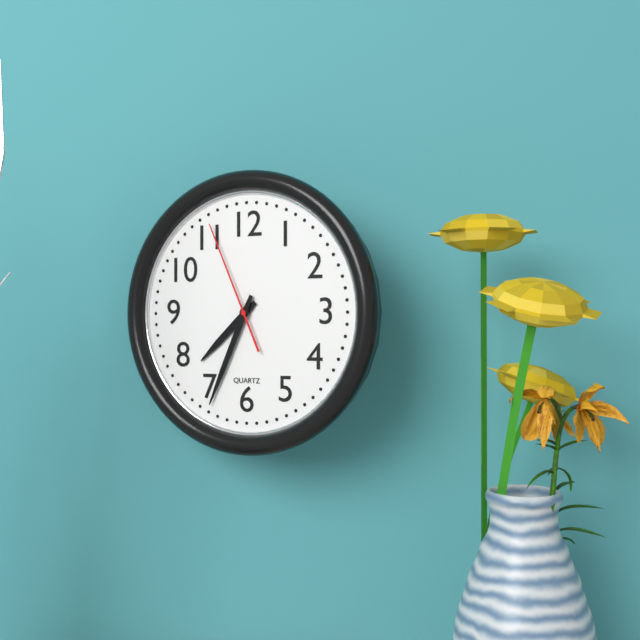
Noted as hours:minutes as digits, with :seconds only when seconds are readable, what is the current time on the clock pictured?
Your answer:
7:34:56
